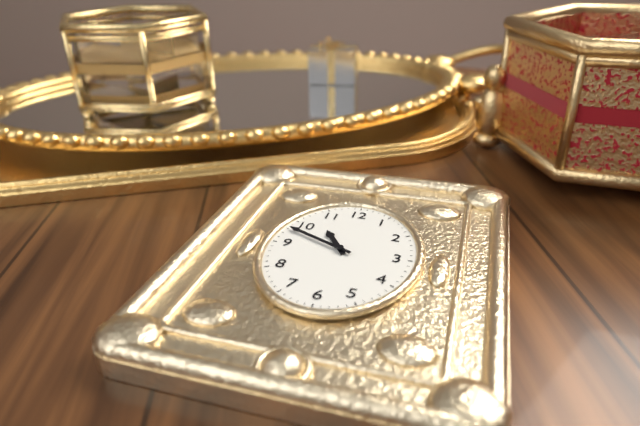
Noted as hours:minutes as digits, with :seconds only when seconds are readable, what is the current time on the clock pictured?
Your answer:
10:49
